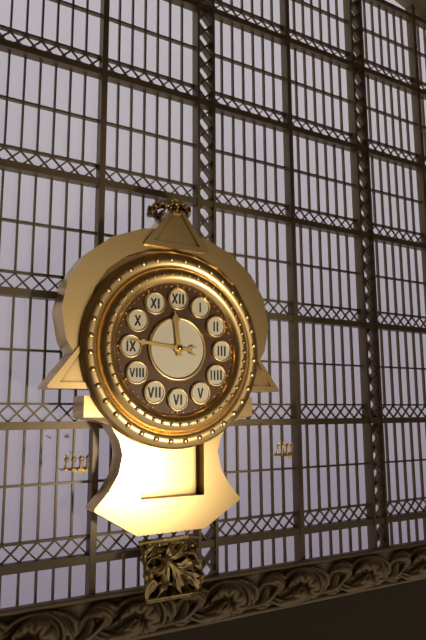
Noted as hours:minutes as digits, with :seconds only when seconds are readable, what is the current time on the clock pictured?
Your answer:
11:46
